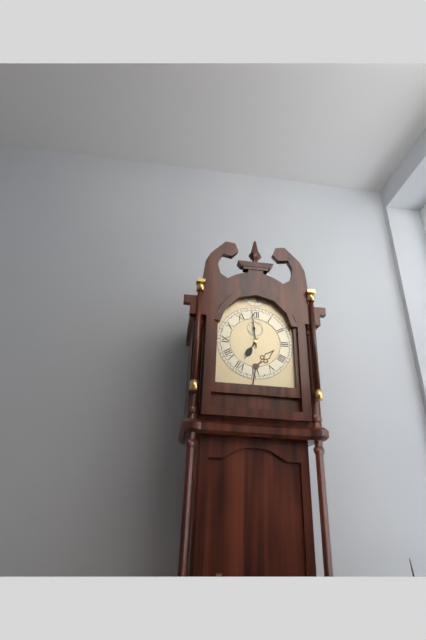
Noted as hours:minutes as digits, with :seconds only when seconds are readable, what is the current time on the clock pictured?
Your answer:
6:59
